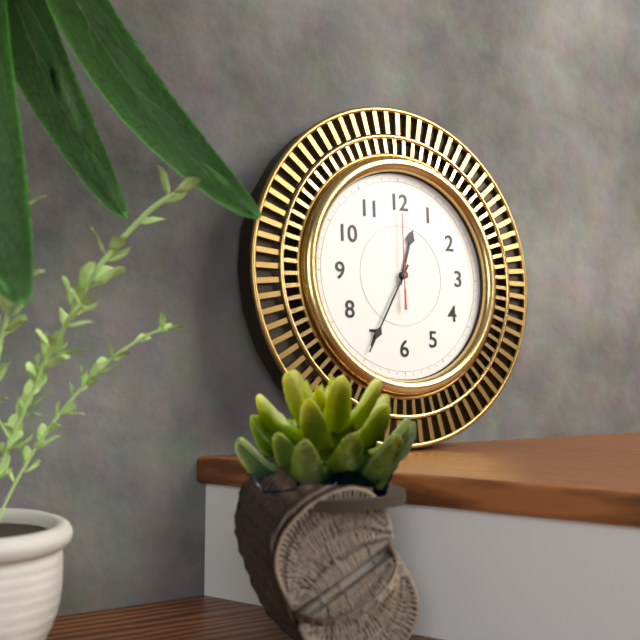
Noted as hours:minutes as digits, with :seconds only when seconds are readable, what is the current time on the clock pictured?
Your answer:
12:35:00
